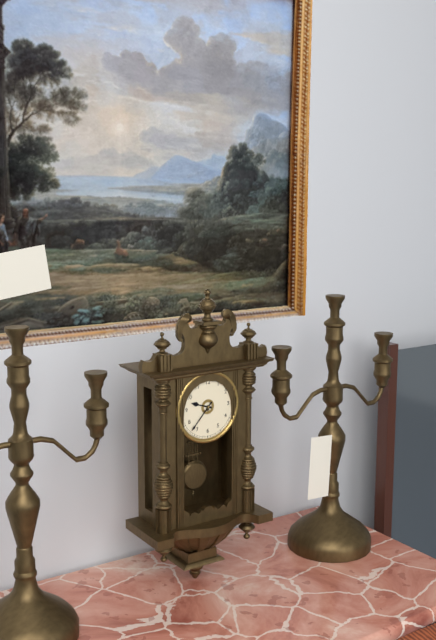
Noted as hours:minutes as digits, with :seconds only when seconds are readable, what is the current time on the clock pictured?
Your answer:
9:37
